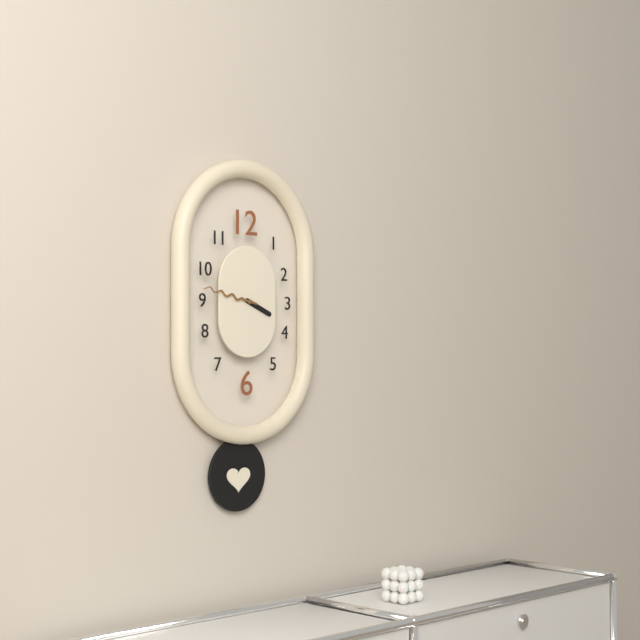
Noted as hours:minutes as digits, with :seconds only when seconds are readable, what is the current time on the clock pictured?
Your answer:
3:47
